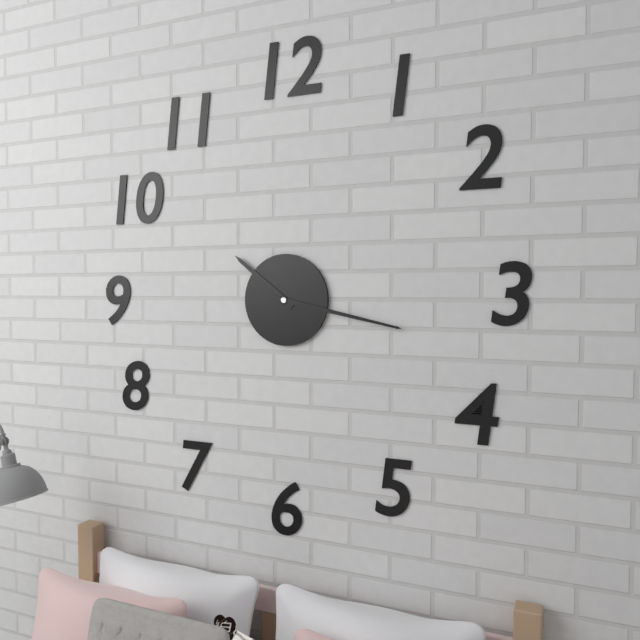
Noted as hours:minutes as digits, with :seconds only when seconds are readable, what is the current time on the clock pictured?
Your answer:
10:17
